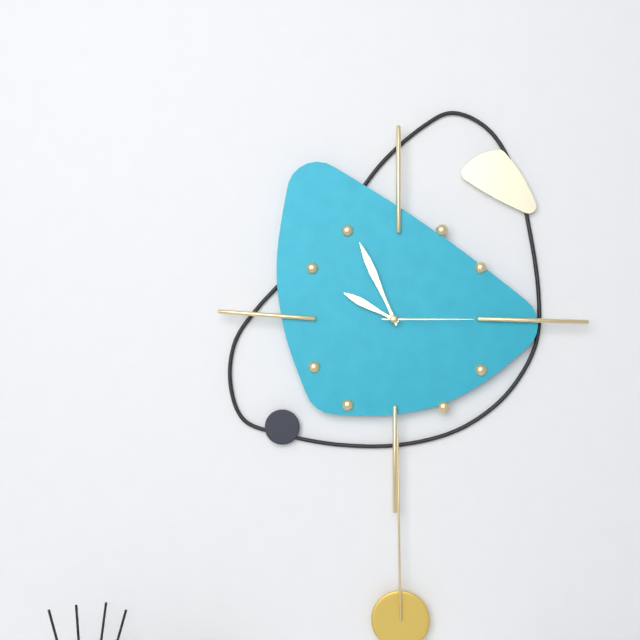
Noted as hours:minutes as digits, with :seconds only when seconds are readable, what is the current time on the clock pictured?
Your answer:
9:56:15
